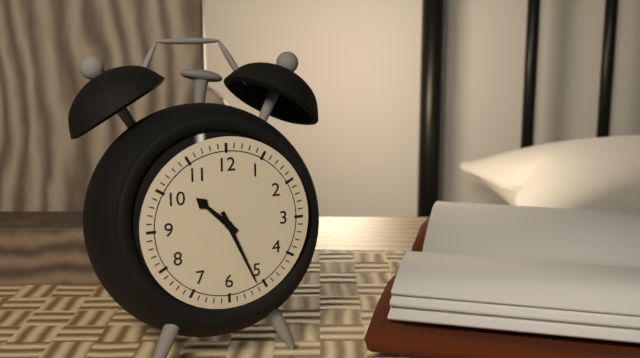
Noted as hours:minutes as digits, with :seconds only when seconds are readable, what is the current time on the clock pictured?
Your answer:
10:26
